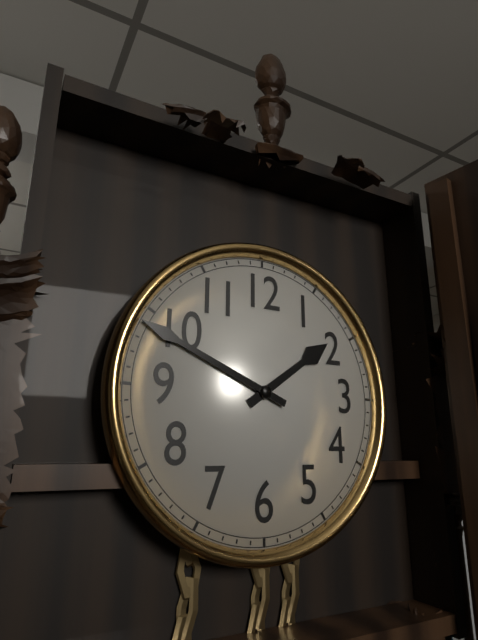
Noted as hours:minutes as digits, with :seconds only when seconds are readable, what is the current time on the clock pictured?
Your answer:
1:49
